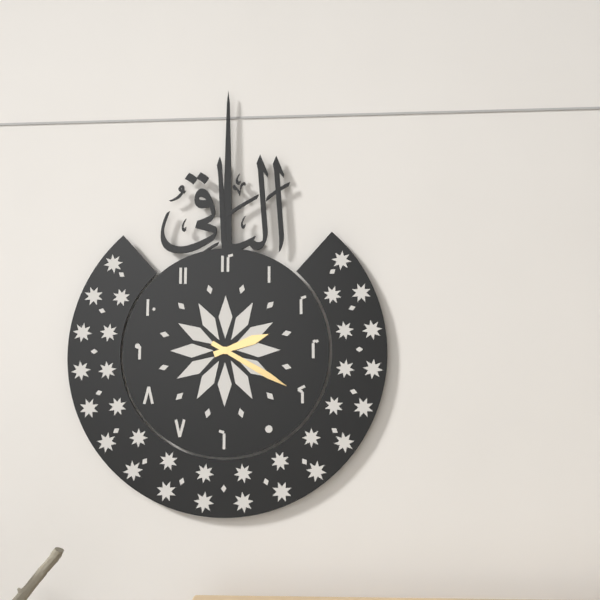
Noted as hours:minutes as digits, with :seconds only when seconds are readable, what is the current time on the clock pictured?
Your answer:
2:20
